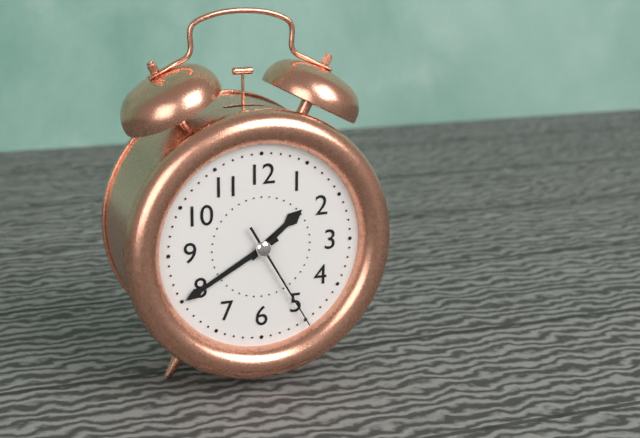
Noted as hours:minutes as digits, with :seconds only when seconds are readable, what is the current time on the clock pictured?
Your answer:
1:40:25
